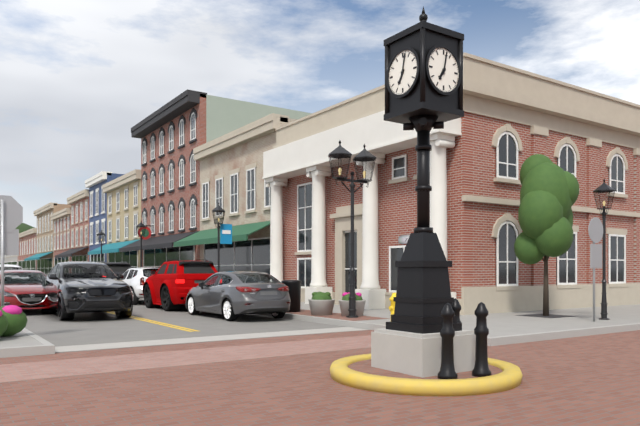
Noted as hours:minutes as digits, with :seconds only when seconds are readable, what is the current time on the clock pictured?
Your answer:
7:02
